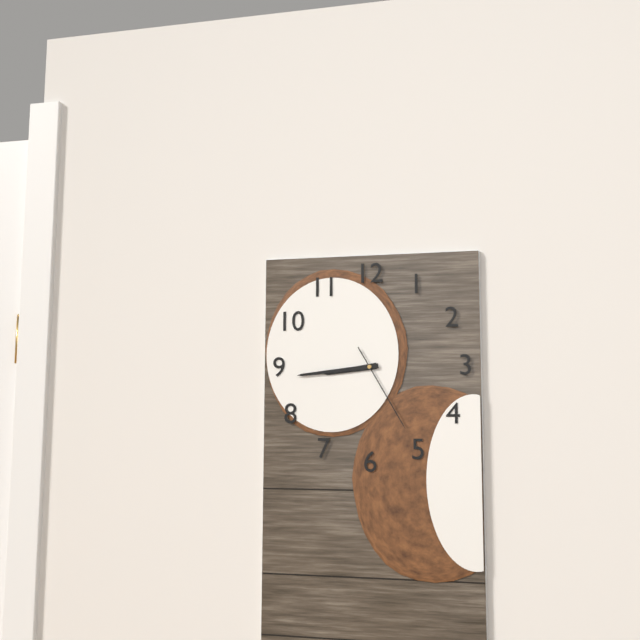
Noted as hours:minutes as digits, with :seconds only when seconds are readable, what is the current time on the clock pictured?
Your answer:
8:44:25
